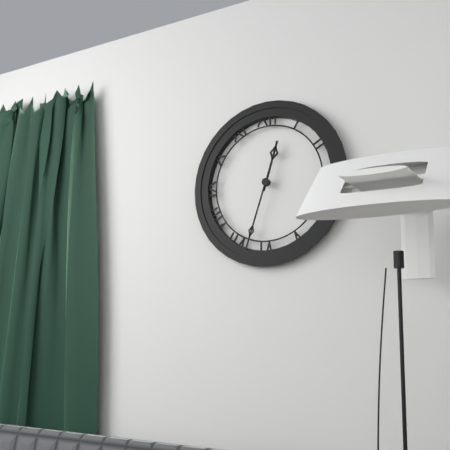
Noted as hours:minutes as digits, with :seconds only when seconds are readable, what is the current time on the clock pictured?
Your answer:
12:33
